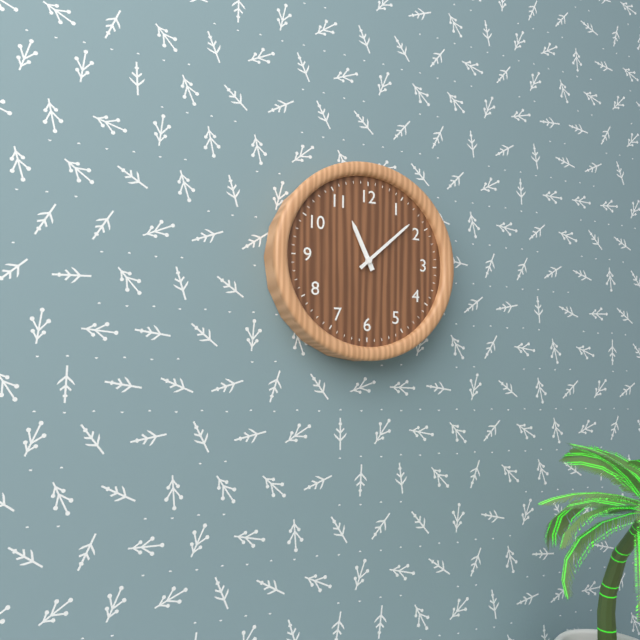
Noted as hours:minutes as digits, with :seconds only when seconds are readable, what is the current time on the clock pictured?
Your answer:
11:08
